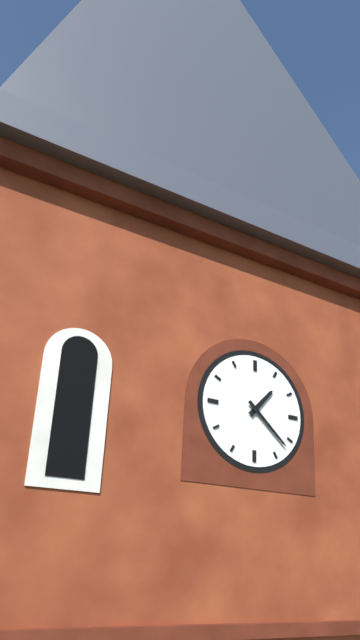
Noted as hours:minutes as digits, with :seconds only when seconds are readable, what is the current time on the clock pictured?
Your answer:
1:22
